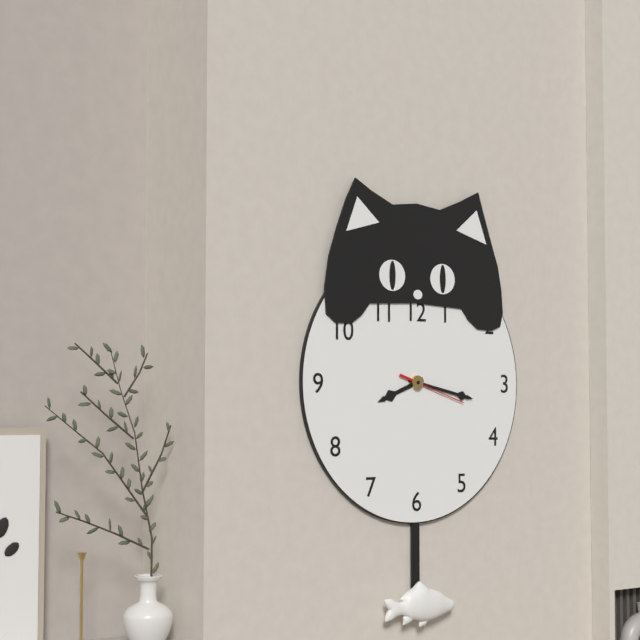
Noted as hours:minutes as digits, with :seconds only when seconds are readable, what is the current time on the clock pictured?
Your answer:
8:17:18
